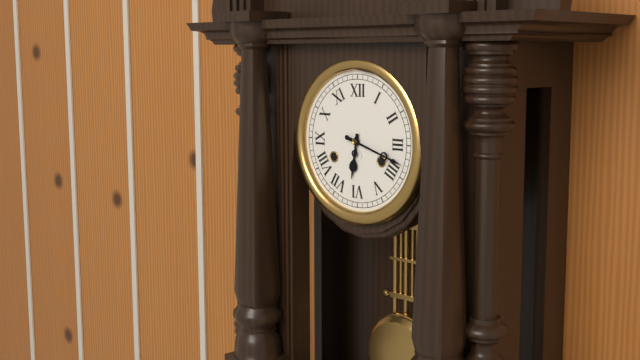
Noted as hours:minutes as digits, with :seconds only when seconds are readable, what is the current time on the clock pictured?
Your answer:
6:18
